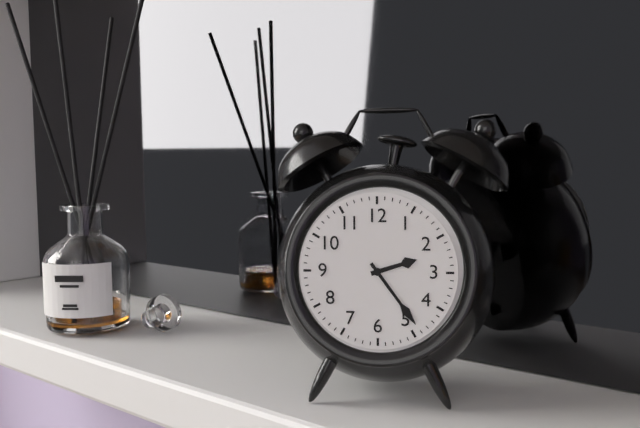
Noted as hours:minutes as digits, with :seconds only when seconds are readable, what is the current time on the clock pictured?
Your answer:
2:24
